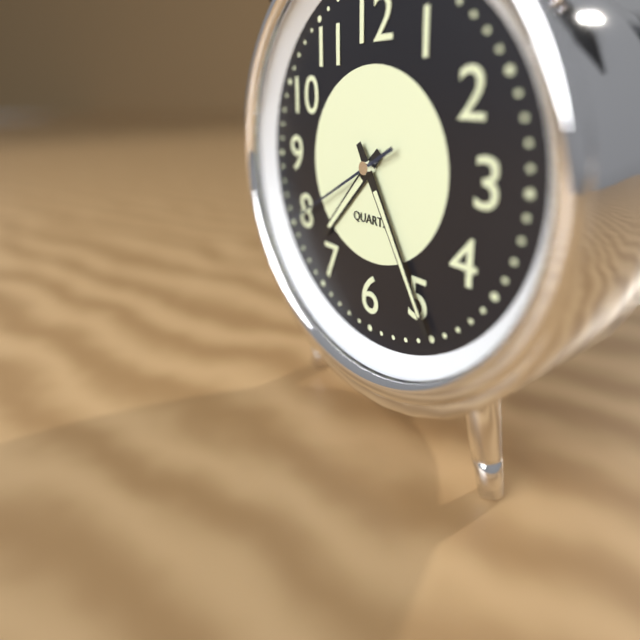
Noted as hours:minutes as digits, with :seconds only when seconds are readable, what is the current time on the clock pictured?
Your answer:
7:25:40
